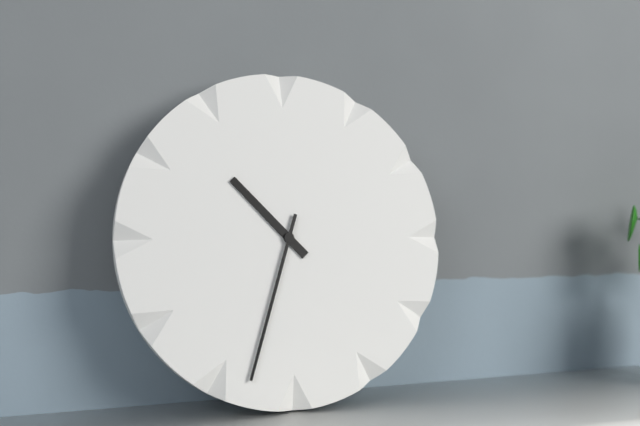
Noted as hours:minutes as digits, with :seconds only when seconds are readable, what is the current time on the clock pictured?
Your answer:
10:33
